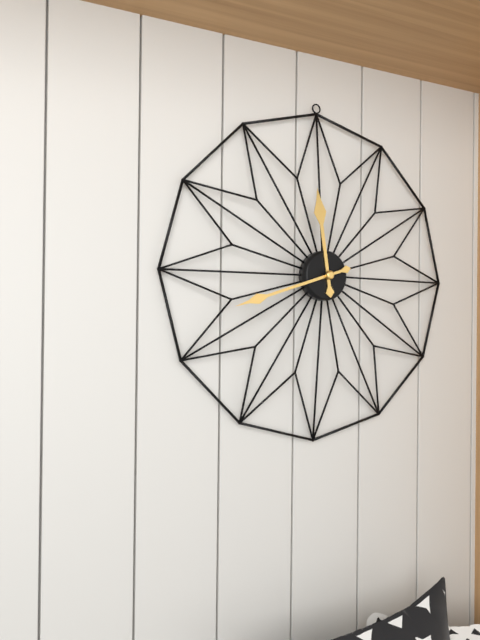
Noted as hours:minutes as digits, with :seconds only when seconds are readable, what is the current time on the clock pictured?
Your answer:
11:42
